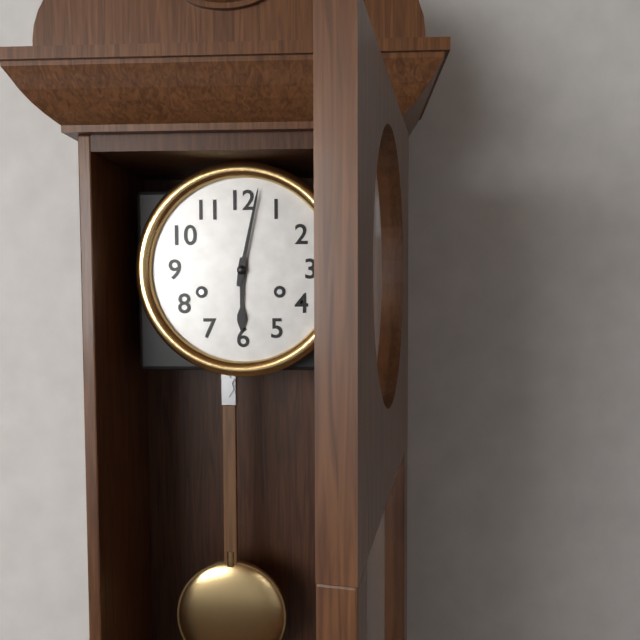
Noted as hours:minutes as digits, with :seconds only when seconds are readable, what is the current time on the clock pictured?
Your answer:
6:02
